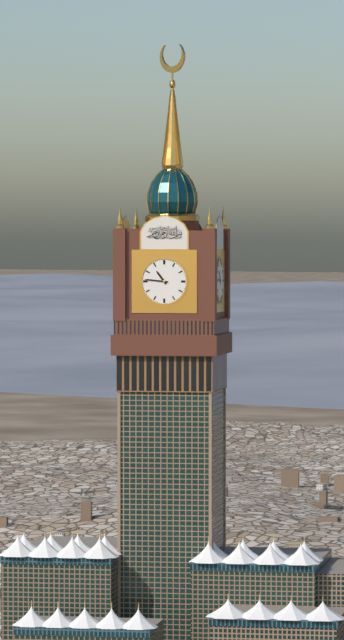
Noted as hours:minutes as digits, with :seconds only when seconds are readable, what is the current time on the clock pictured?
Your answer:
10:46
